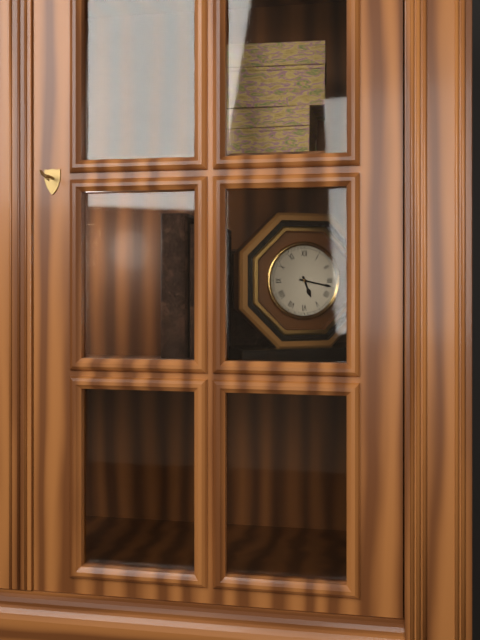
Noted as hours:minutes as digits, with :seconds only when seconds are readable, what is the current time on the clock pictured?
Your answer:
5:17
